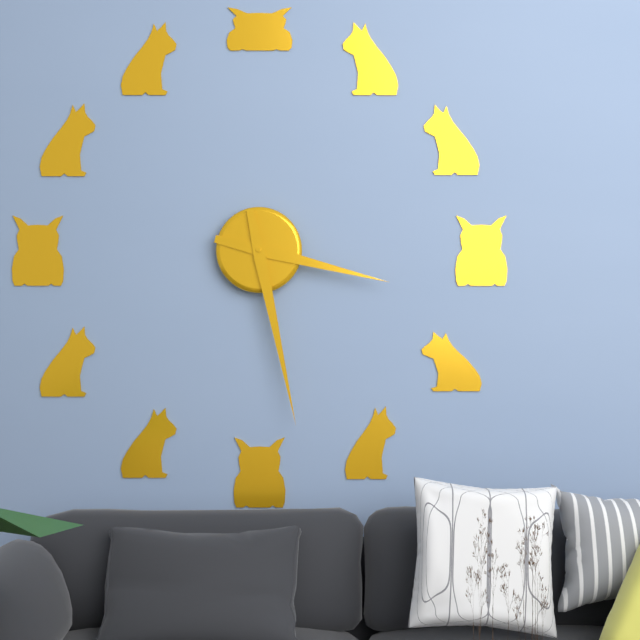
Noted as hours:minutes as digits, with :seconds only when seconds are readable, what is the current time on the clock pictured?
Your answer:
3:28
